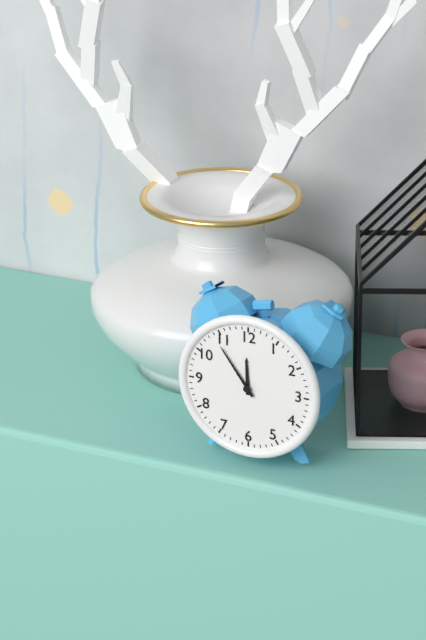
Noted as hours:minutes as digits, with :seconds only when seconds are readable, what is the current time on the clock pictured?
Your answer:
11:54
